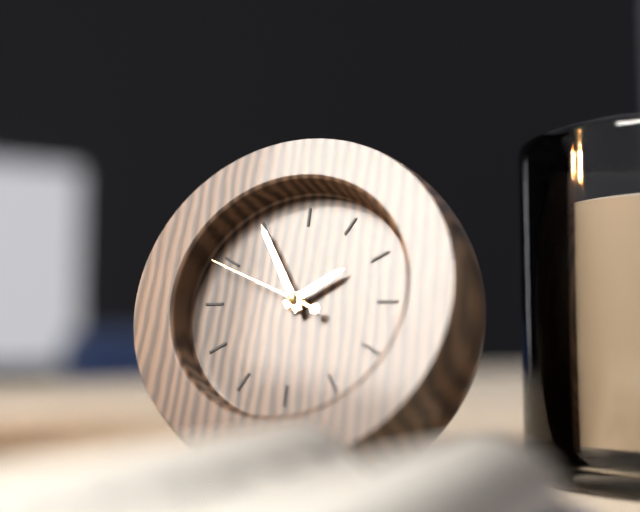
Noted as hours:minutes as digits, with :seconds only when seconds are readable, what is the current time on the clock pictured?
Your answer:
1:55:49
